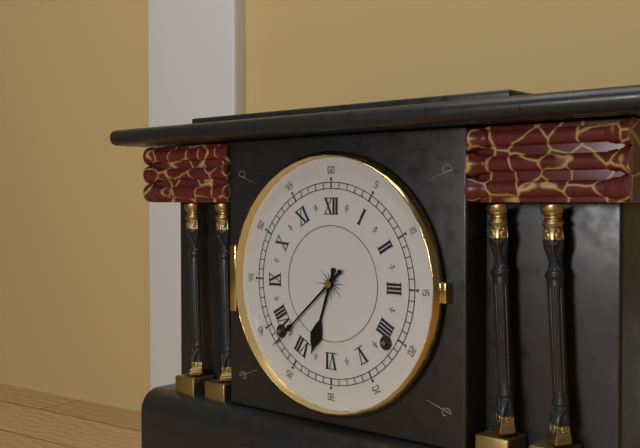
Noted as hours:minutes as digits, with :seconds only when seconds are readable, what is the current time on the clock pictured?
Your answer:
6:38
